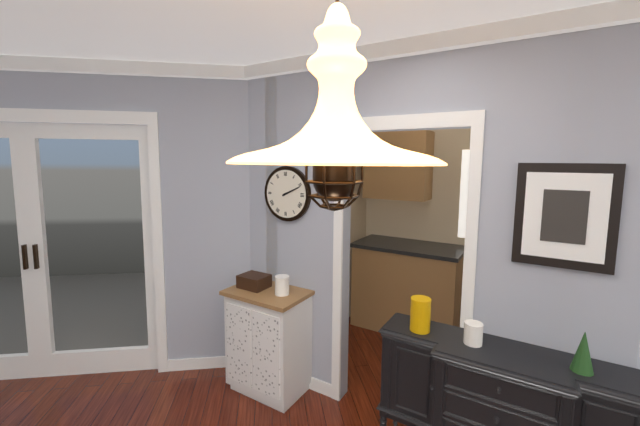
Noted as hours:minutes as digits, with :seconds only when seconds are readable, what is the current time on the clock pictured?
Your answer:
2:11
